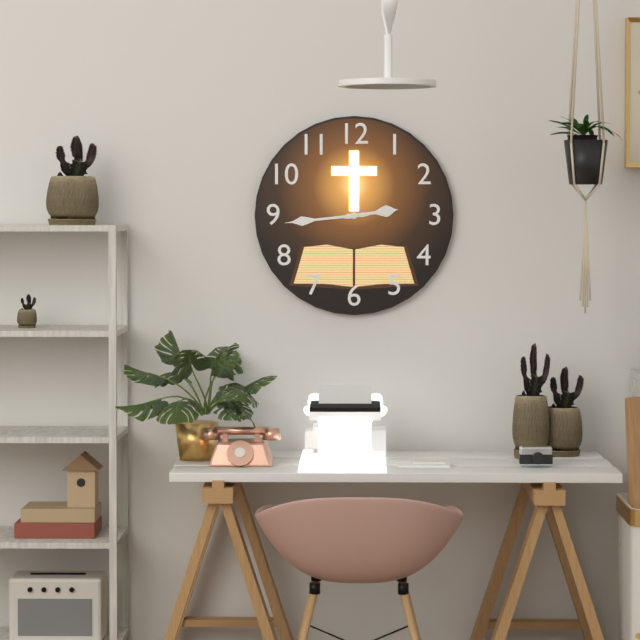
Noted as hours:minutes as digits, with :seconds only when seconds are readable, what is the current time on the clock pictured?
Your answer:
2:44
